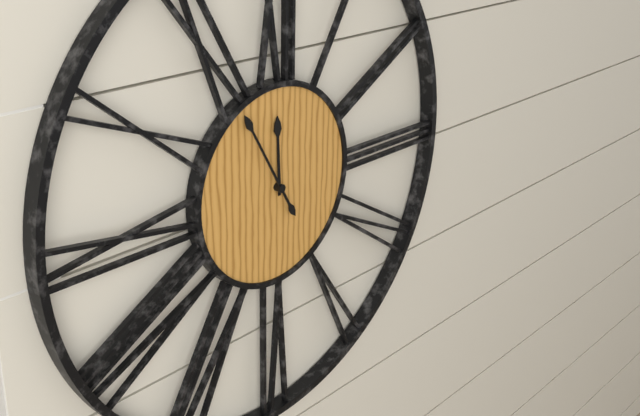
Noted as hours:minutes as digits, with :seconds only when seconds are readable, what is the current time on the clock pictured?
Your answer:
11:55
